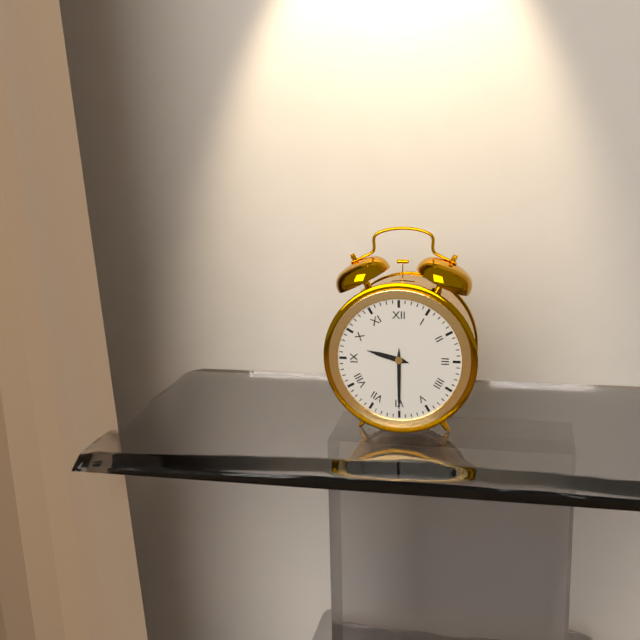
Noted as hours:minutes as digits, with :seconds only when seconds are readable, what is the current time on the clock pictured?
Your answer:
9:30
